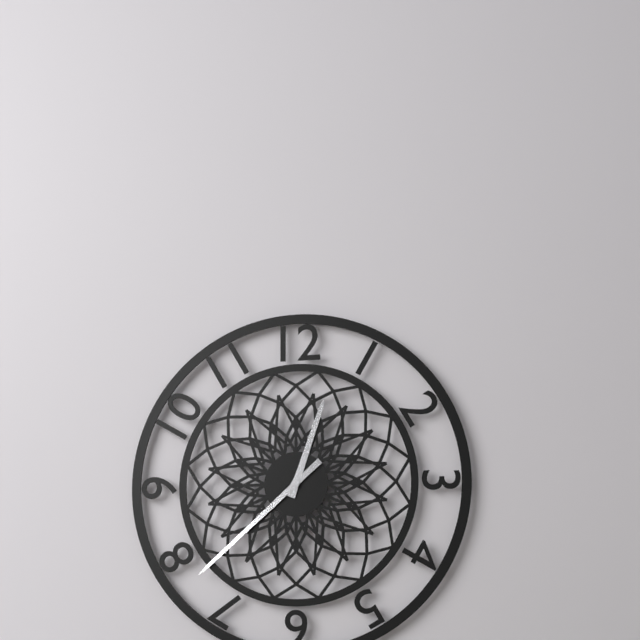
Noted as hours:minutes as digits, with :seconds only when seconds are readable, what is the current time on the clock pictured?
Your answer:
12:38
